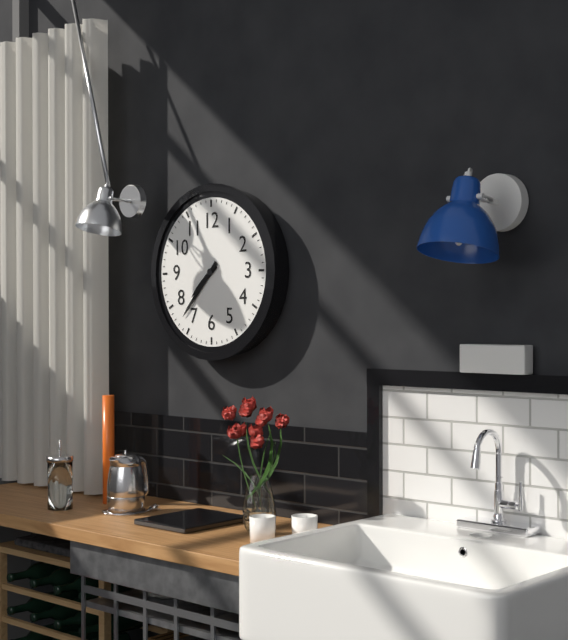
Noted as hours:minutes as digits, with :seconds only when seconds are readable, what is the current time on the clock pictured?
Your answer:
7:37
